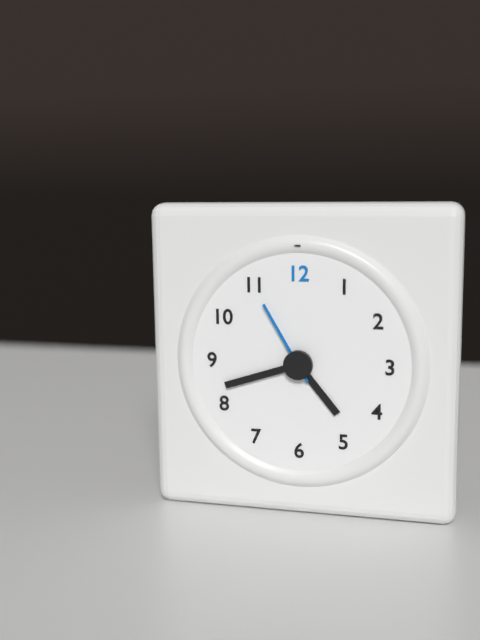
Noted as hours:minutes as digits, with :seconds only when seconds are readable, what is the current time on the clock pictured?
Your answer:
4:42:55
